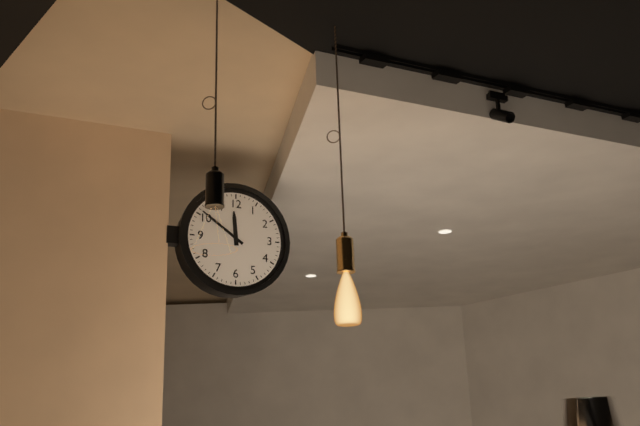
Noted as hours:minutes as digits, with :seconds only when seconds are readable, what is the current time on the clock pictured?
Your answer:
11:51
